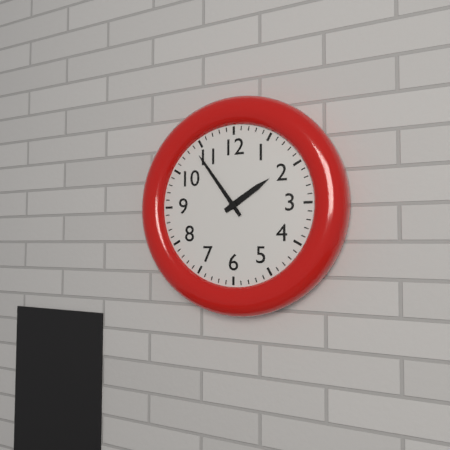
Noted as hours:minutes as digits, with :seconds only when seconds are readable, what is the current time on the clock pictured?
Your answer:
1:54
